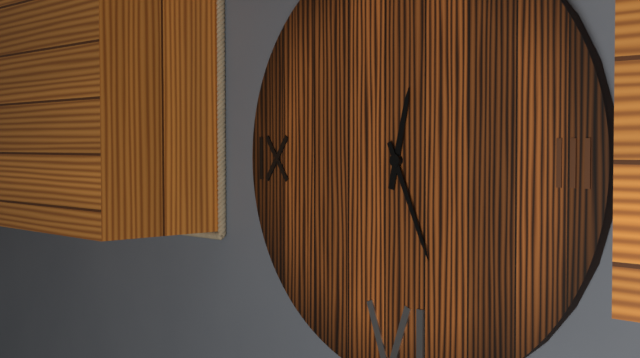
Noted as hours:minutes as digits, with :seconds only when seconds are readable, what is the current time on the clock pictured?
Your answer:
12:26
